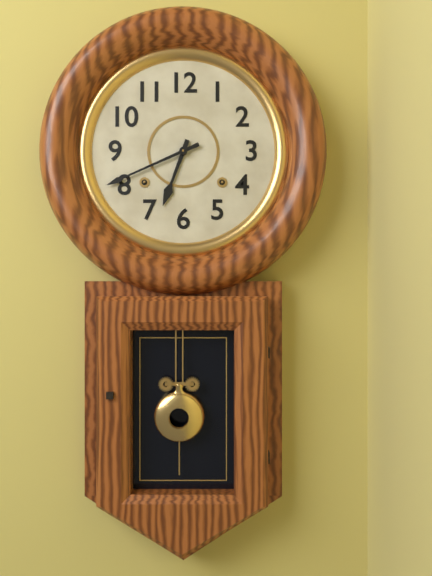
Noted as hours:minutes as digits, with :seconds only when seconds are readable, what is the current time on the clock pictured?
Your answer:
6:41
